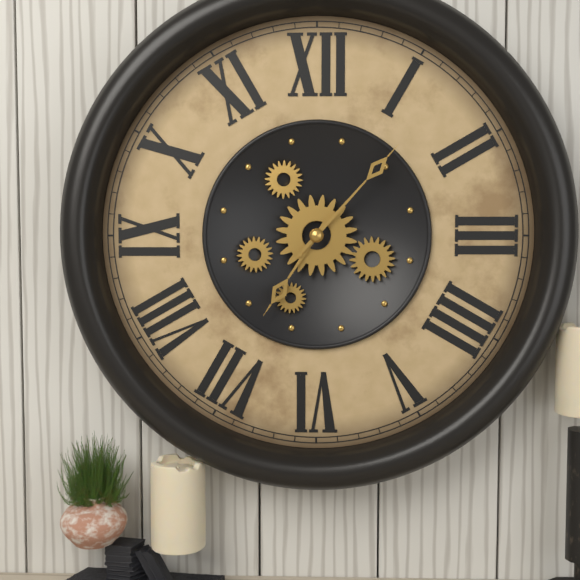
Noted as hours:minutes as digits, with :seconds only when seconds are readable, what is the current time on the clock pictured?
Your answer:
7:07
